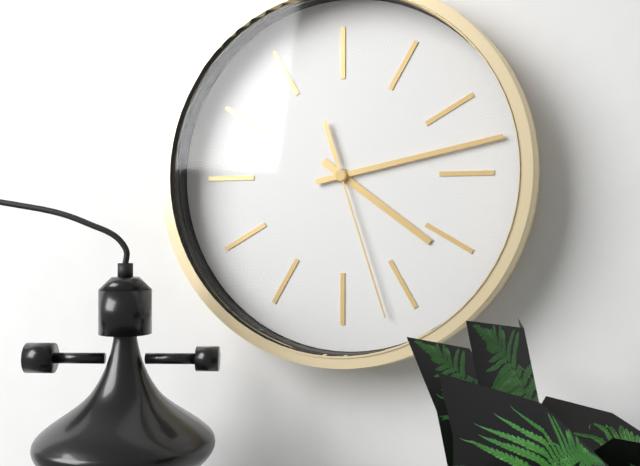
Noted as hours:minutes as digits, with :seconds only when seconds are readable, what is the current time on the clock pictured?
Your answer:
4:13:27
